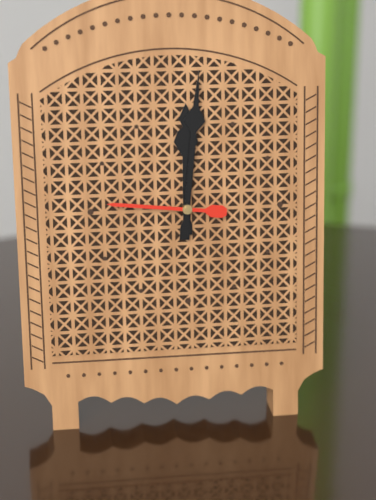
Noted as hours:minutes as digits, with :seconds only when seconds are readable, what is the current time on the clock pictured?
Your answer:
12:01:46
